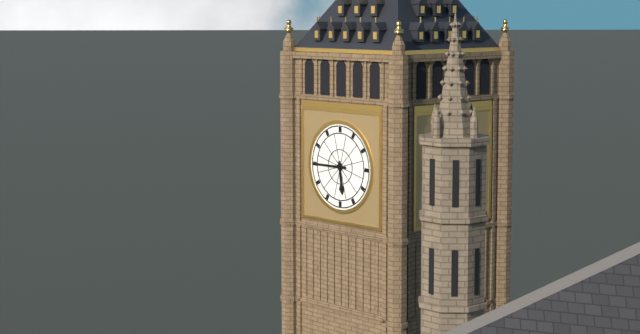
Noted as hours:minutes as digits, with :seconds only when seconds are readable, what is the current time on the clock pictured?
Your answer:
5:45
